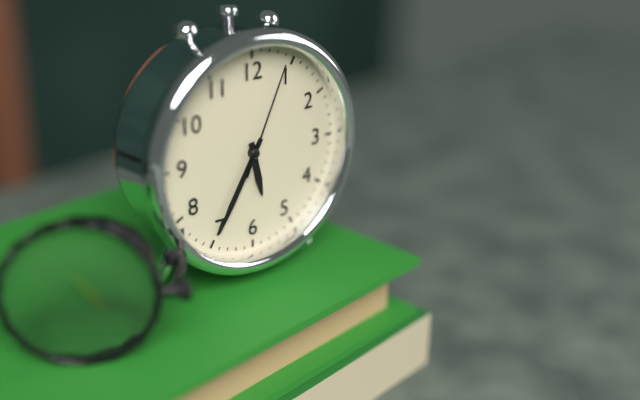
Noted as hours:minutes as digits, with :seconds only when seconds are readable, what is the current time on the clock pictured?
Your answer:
5:35:04
